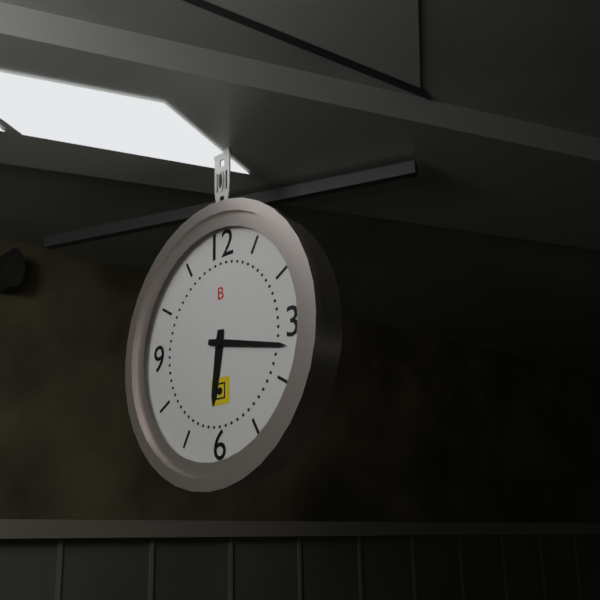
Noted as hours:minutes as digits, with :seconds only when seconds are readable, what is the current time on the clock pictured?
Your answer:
6:17
